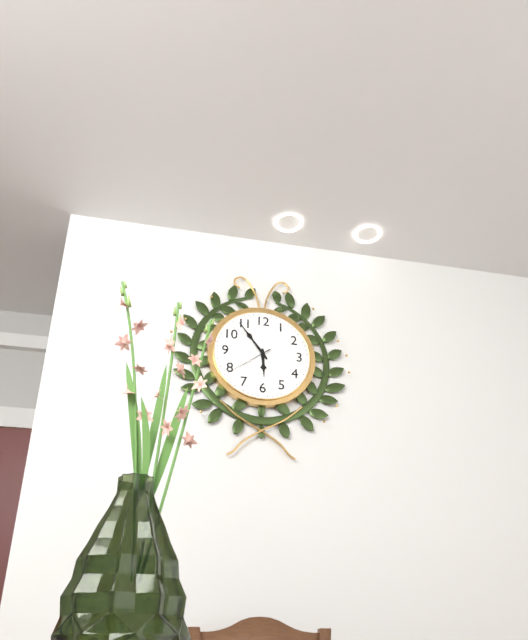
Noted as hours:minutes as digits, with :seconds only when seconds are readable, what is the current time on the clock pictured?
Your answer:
5:54
